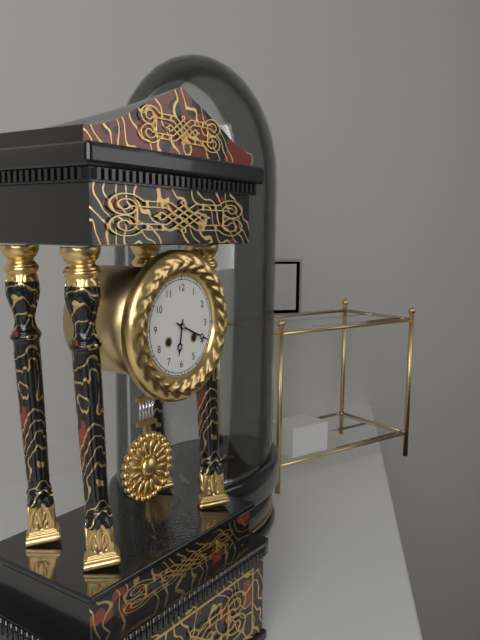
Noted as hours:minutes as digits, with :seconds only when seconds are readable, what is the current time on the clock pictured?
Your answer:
6:19
